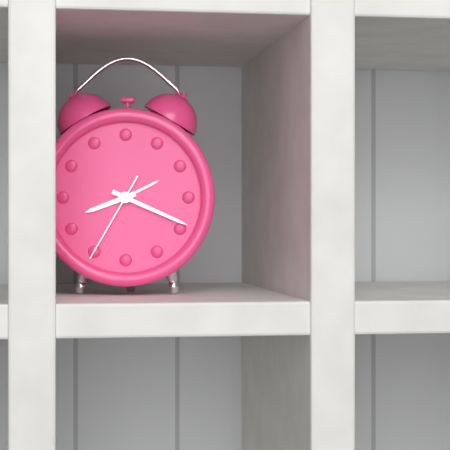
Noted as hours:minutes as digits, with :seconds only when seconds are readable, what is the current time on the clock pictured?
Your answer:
8:19:35
